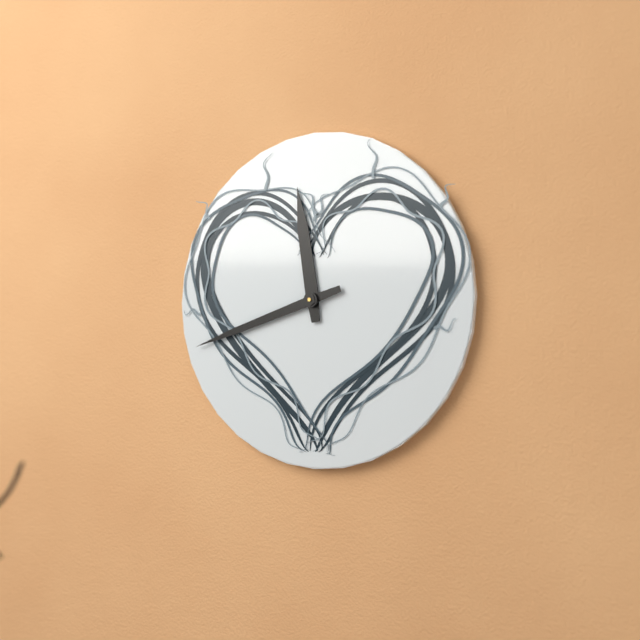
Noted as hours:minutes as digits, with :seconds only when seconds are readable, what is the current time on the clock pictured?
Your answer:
11:42
